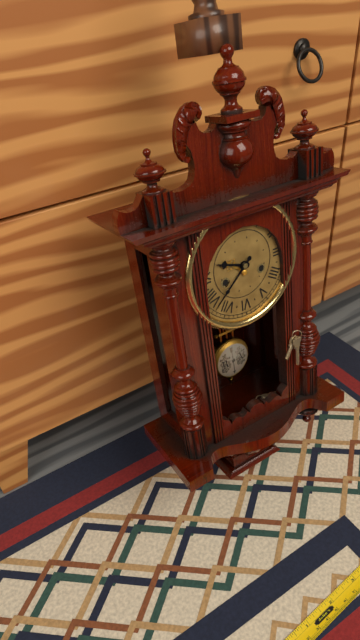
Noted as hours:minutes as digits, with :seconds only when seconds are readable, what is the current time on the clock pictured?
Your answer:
9:38
